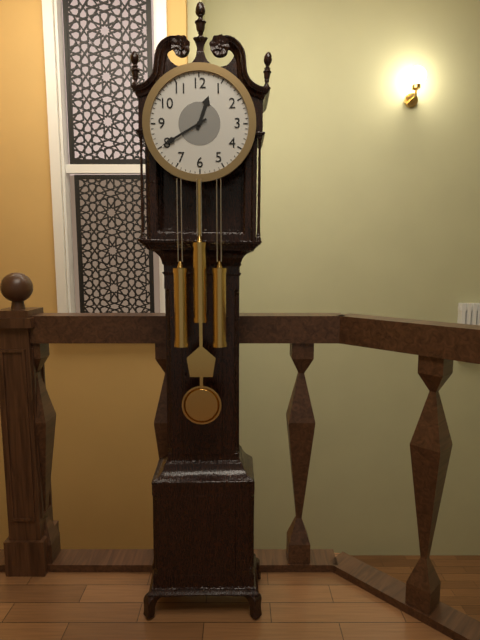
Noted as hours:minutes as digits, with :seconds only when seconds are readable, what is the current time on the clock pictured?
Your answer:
12:40
